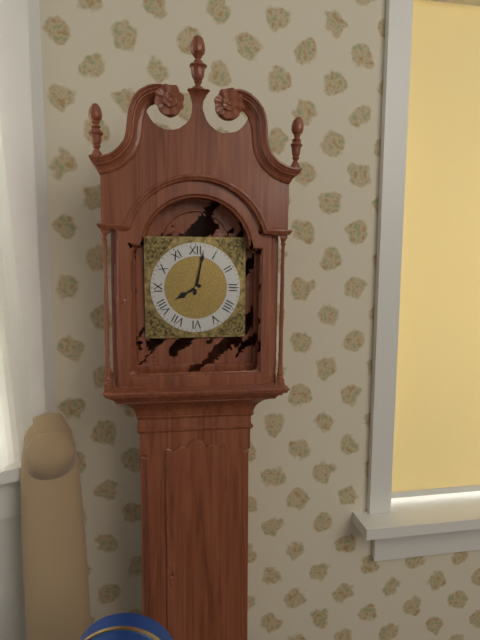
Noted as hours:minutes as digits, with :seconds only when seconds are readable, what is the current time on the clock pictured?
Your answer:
8:02
